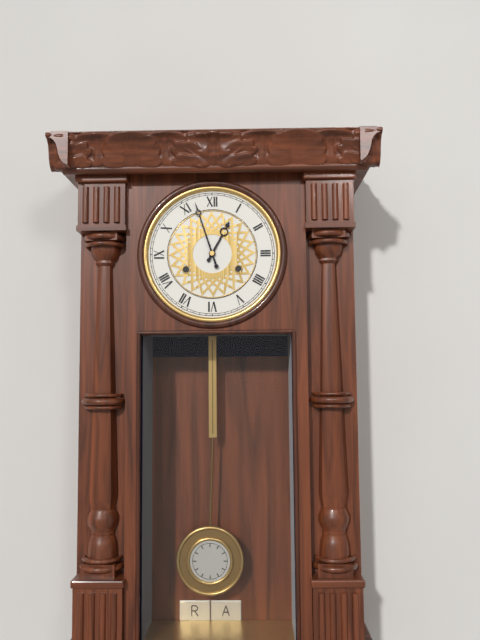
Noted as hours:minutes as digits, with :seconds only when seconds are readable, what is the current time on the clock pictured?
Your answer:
12:57
